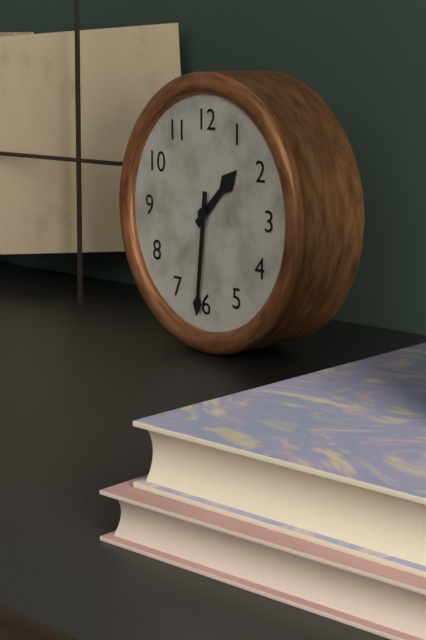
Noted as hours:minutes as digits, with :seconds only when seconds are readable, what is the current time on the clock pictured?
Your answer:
1:31
